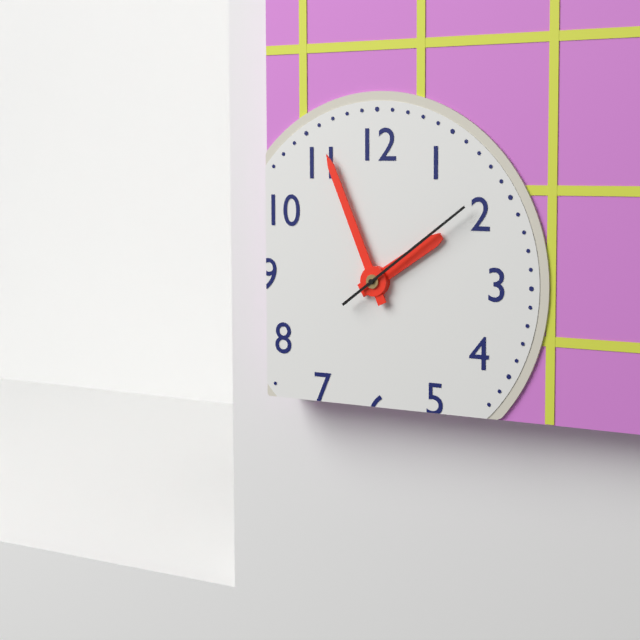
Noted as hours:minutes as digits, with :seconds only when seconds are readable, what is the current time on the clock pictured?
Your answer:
1:56:09
